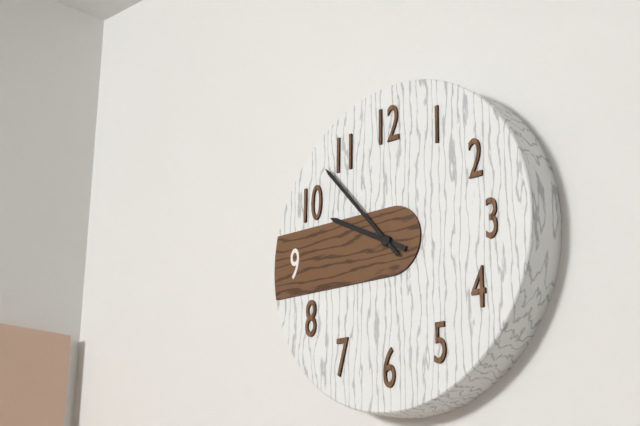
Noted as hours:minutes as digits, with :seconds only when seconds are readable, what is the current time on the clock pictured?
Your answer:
9:53
